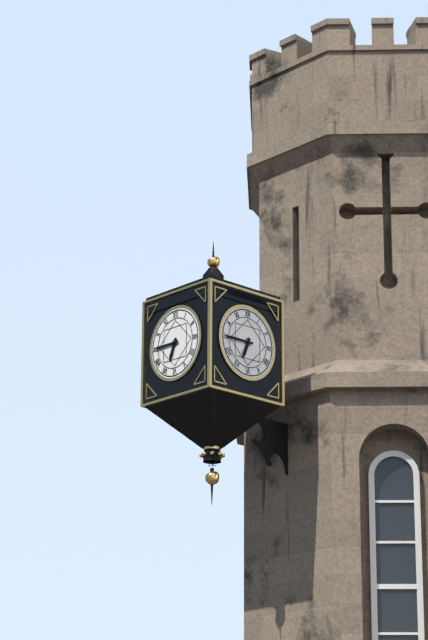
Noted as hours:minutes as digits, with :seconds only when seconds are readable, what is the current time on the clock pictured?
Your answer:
6:45
